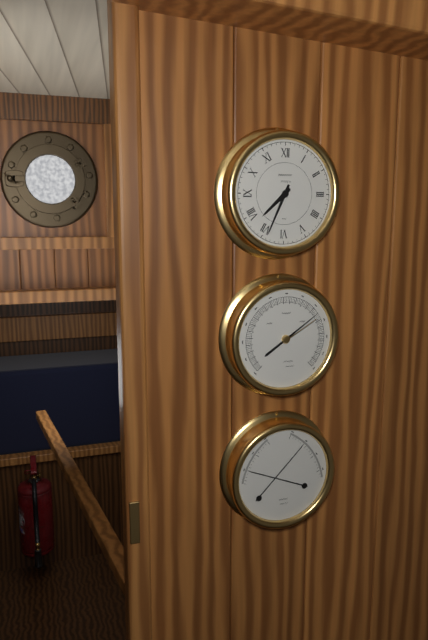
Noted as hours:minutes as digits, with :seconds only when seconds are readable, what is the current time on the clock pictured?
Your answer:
7:34
